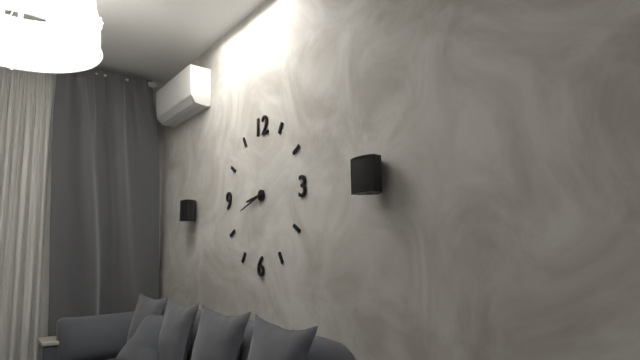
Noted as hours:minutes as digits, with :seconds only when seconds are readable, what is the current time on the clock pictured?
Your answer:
8:42
